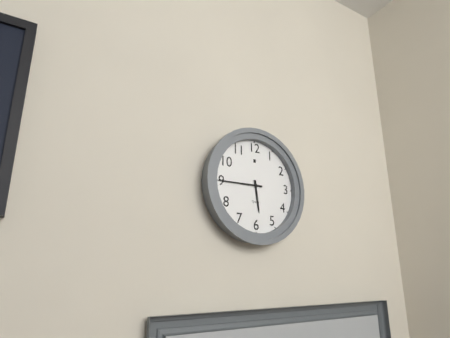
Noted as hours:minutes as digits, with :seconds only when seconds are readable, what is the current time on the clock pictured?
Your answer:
5:45
